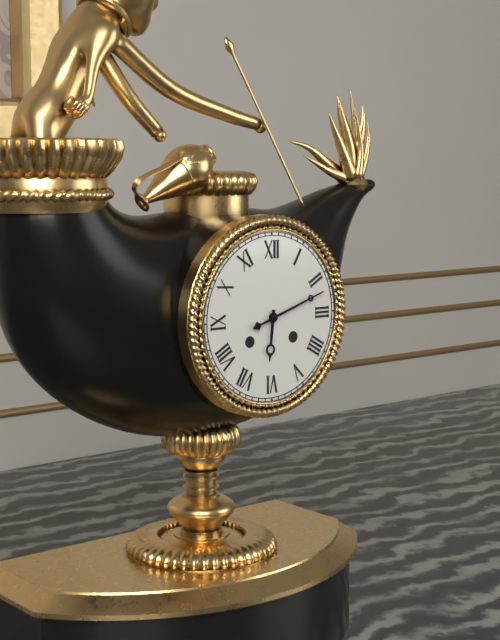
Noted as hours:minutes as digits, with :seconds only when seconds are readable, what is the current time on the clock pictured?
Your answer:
6:12
